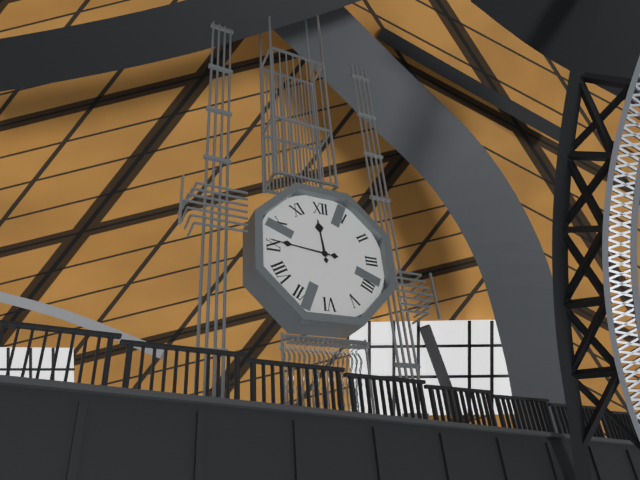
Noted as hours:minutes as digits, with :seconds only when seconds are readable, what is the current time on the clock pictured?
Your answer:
11:46
